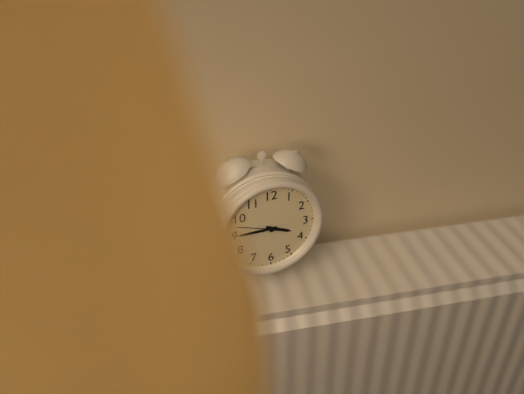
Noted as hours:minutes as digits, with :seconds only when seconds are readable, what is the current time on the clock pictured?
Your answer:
3:45
